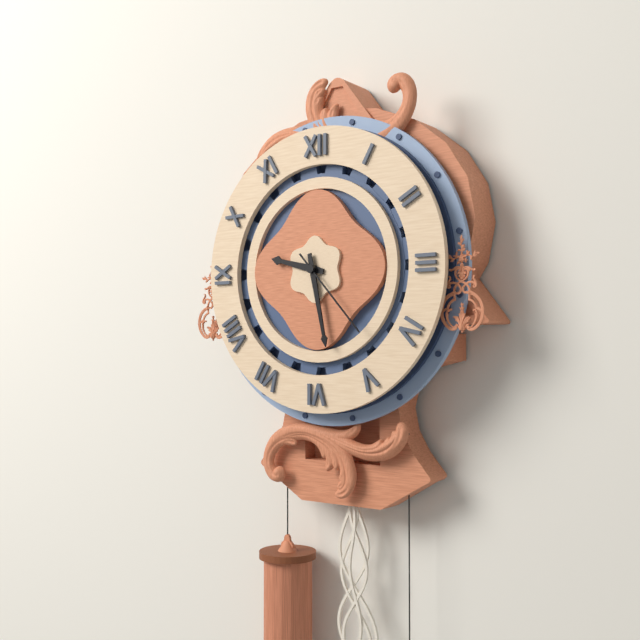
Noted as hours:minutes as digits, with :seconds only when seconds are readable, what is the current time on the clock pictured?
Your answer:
9:28:23
